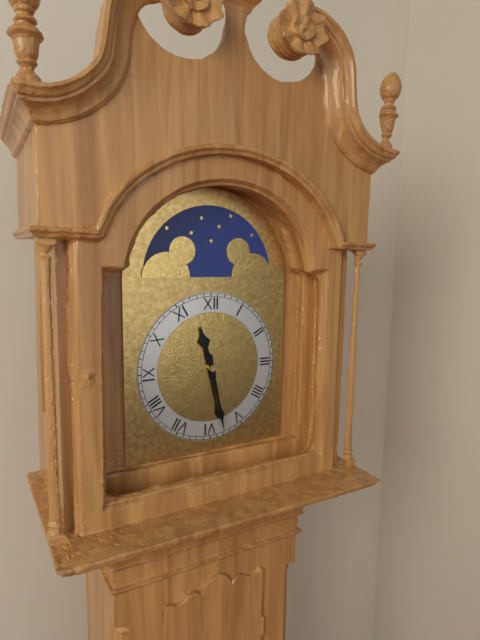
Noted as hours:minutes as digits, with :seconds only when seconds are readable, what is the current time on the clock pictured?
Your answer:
11:28
